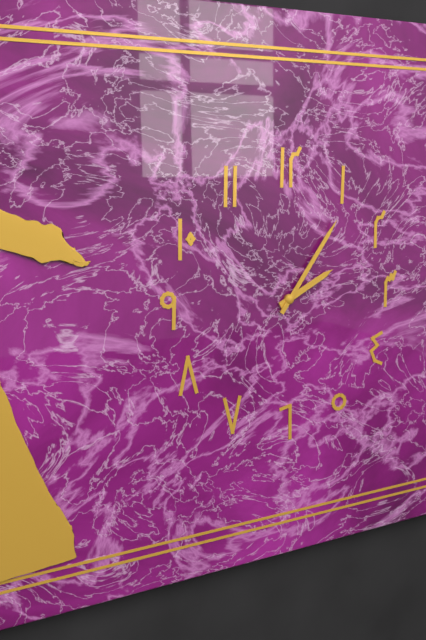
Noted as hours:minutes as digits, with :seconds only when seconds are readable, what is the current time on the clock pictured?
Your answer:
2:06
